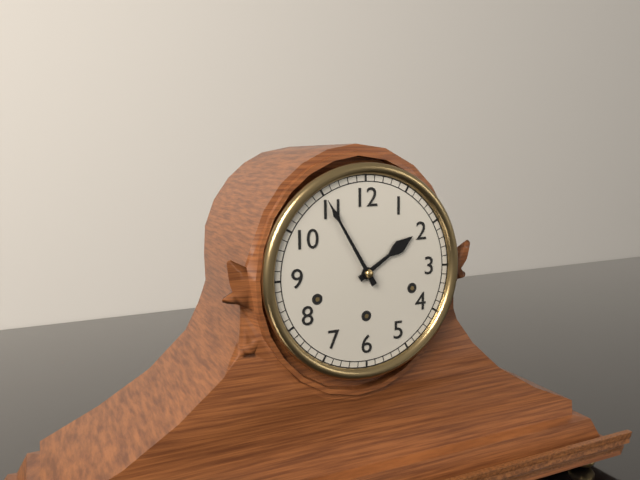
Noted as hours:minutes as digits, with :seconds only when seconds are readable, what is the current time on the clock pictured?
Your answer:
1:55
